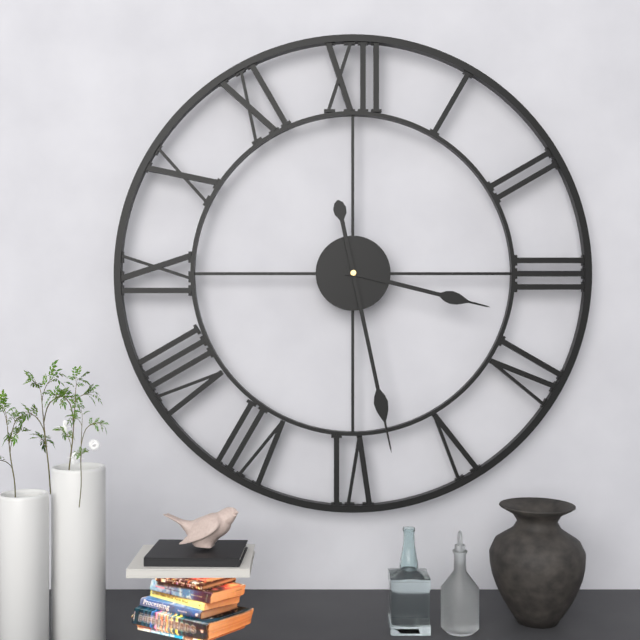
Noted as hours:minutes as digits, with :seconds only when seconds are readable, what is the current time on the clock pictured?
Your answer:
3:28
